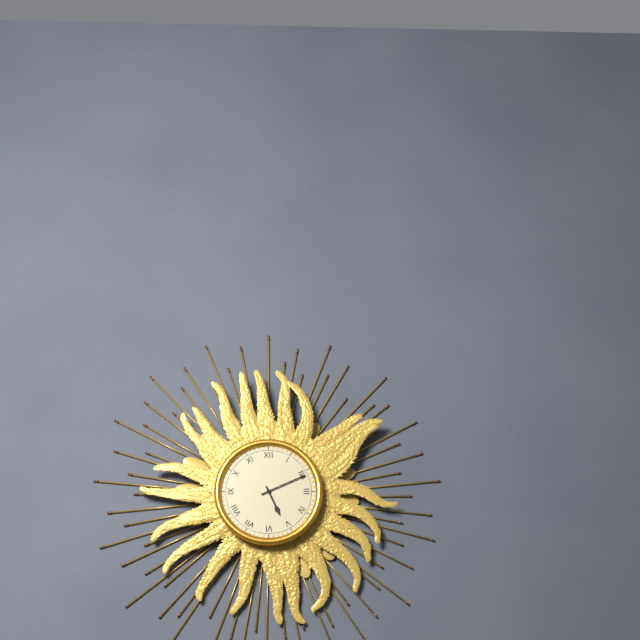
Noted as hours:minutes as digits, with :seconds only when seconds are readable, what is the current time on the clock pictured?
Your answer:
5:11
